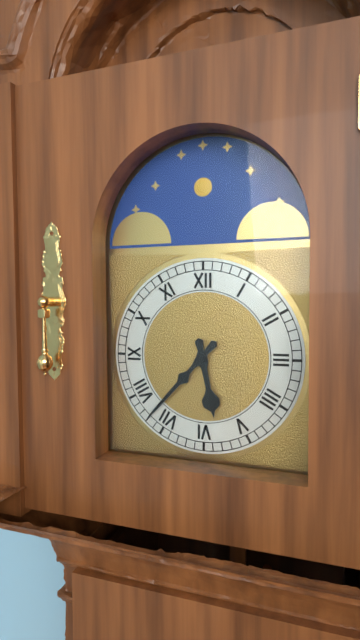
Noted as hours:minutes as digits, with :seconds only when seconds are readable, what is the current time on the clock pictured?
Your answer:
5:37
